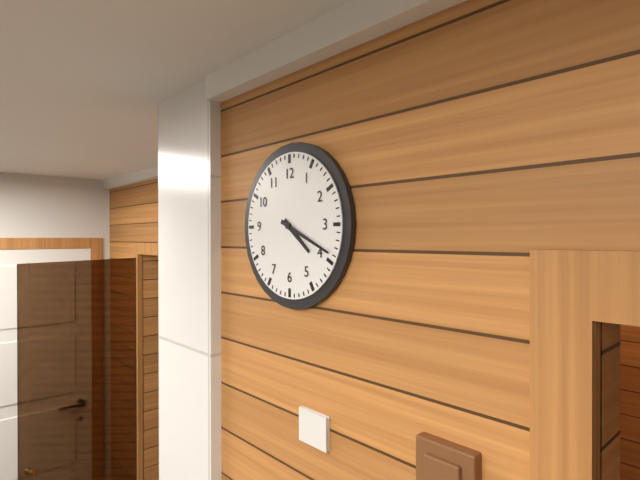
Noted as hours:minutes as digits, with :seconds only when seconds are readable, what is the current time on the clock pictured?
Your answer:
4:19
